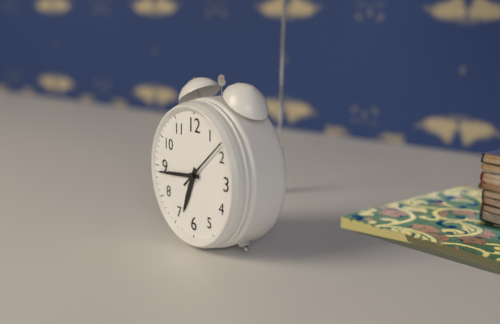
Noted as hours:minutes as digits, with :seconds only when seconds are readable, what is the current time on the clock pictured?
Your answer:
6:44:08
